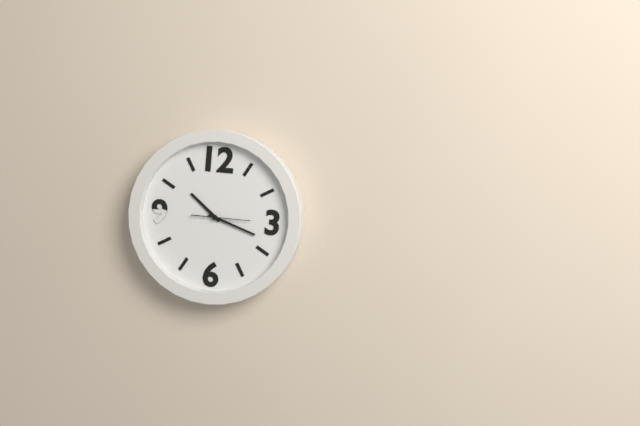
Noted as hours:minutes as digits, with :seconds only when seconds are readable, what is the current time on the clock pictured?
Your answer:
10:18
